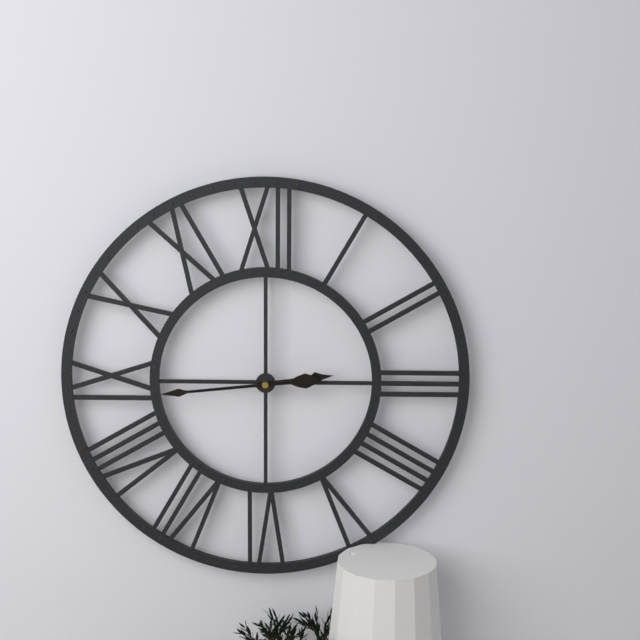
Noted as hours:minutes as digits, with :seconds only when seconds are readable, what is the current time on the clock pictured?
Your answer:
2:44
